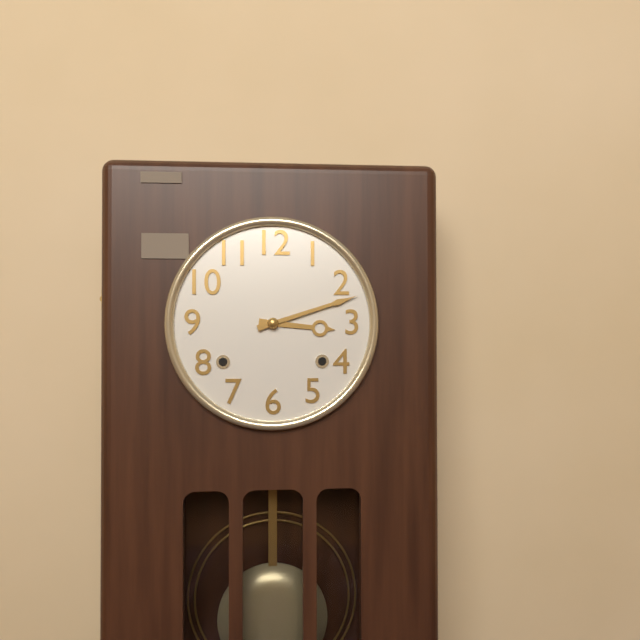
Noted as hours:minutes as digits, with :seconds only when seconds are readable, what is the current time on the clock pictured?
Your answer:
3:12
